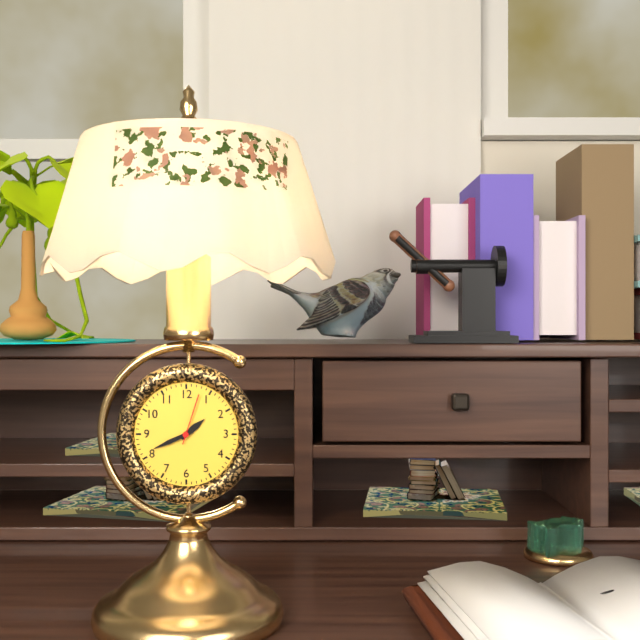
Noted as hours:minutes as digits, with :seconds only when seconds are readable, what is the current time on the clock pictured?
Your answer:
1:41:03
